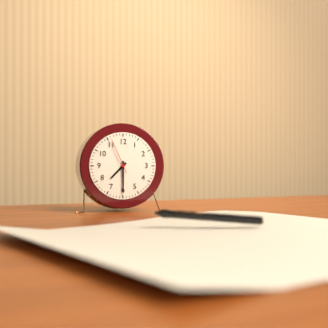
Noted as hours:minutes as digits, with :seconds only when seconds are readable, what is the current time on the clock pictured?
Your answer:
7:30
